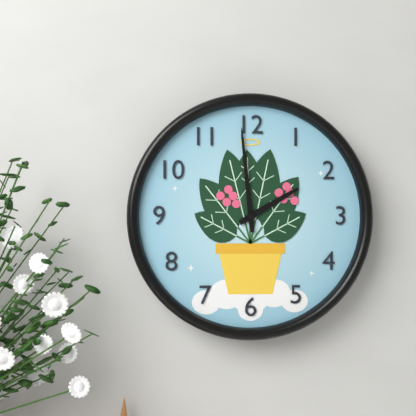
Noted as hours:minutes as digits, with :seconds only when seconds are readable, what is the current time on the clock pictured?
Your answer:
1:59
